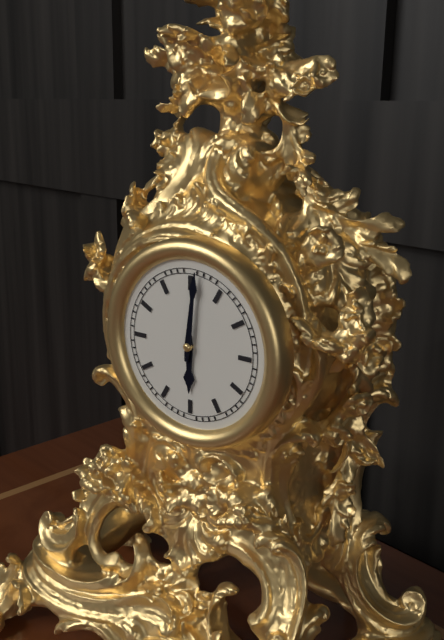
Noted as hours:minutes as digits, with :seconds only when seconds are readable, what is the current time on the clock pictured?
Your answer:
6:01
